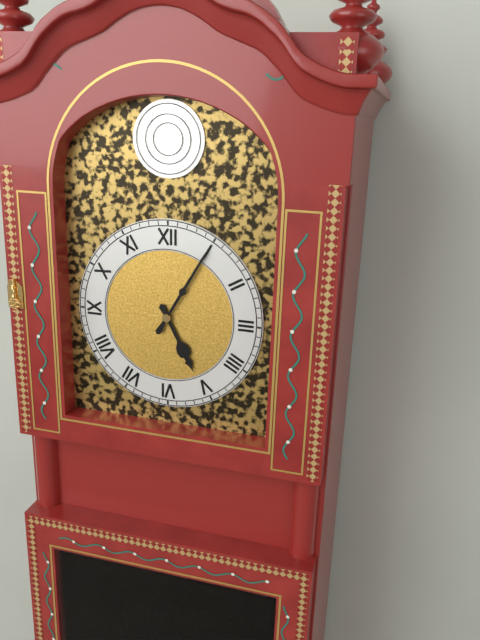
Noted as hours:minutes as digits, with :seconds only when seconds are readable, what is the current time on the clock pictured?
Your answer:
5:05
